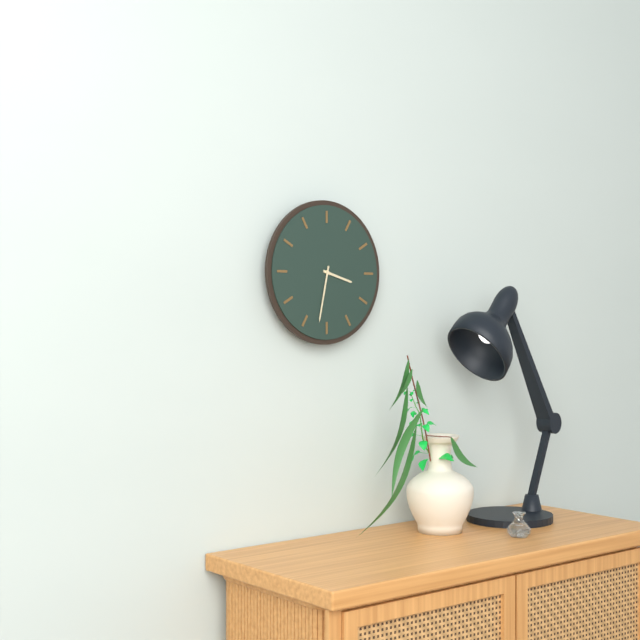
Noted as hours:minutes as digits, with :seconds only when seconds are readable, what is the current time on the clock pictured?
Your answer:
3:32
